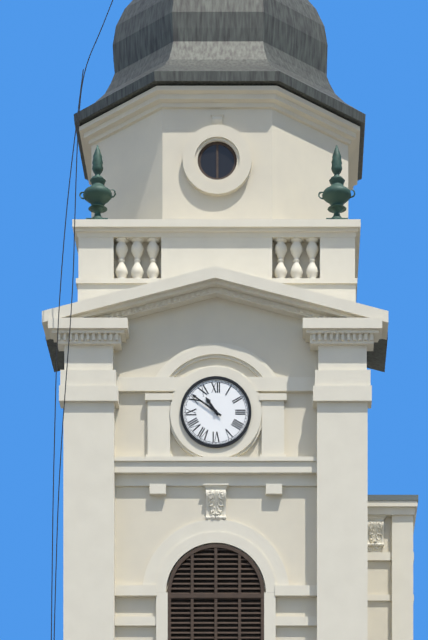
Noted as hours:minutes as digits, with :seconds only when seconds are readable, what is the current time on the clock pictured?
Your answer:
10:51
